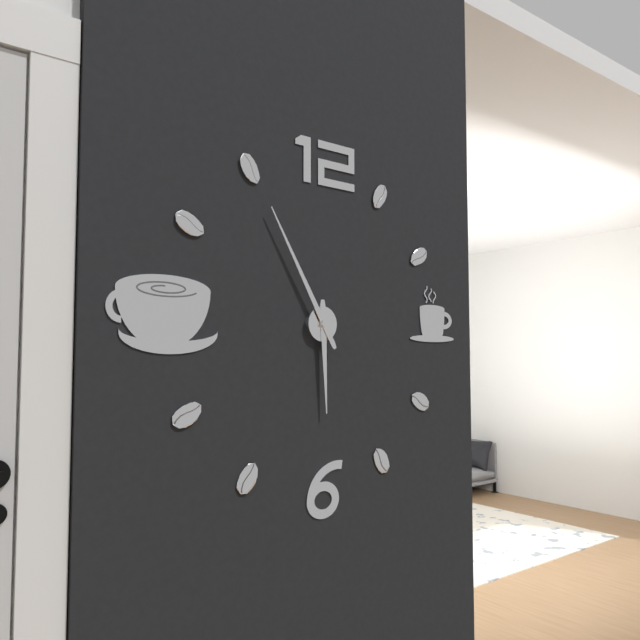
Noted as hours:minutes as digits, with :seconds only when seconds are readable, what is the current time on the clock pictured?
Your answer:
5:55
